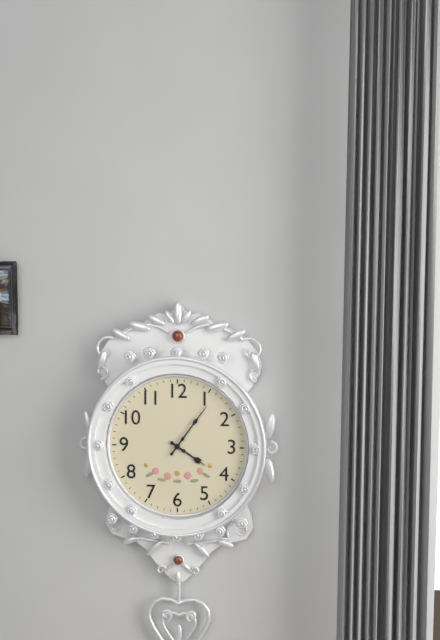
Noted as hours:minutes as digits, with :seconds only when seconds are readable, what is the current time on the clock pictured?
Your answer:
4:06
